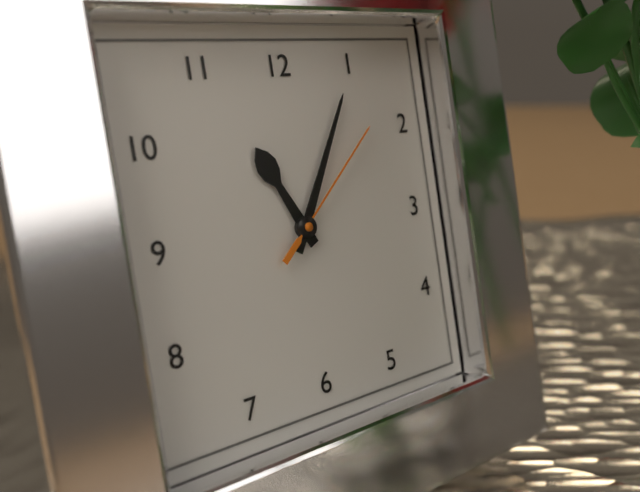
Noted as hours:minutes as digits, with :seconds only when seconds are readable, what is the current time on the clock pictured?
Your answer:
11:05:08
